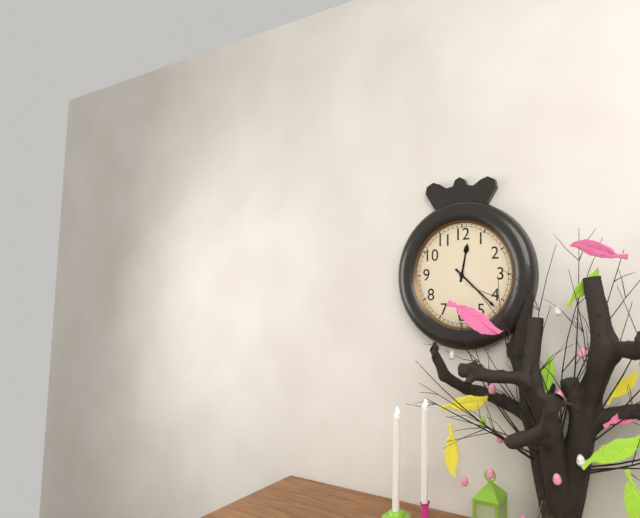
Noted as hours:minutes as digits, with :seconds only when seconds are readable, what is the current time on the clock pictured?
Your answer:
12:22
